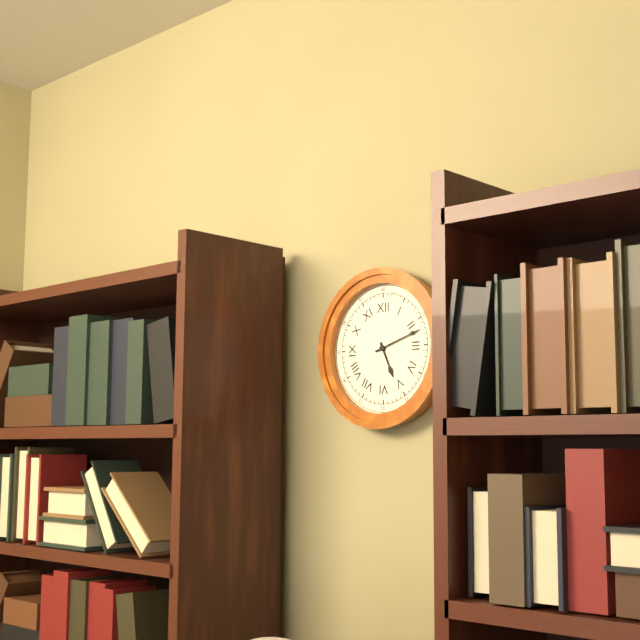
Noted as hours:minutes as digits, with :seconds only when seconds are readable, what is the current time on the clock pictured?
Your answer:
5:12
